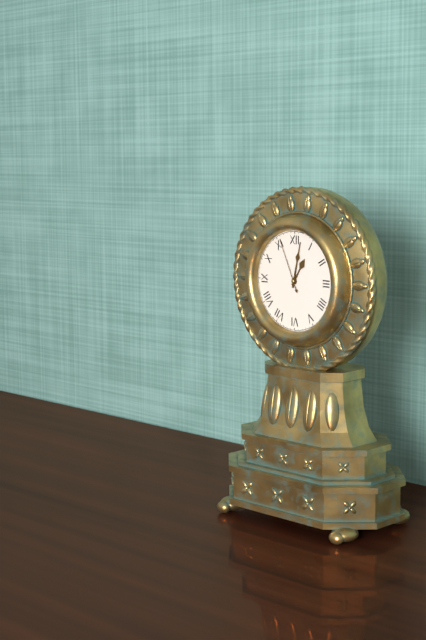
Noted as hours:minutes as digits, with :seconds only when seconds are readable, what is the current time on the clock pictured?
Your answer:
1:02:56
